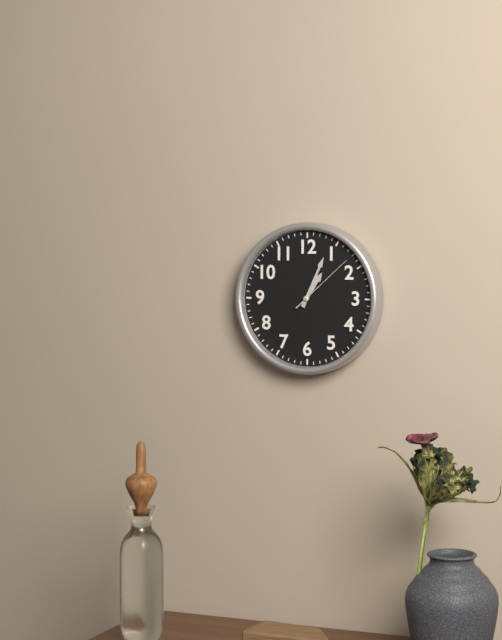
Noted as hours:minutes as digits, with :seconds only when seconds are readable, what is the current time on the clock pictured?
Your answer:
1:04:08
